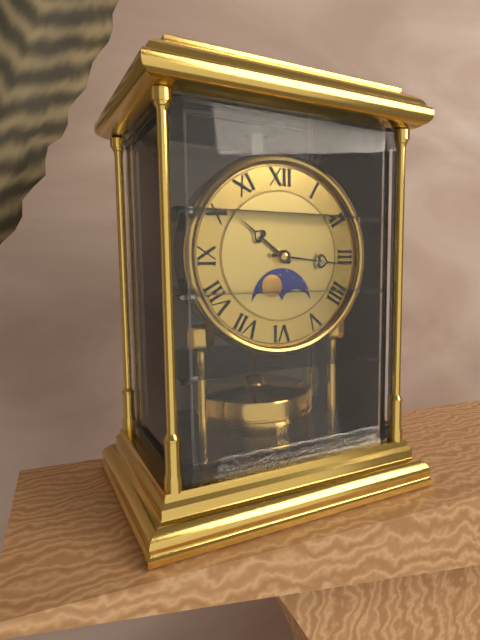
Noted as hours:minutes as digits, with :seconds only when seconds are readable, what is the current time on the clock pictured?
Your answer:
10:16
